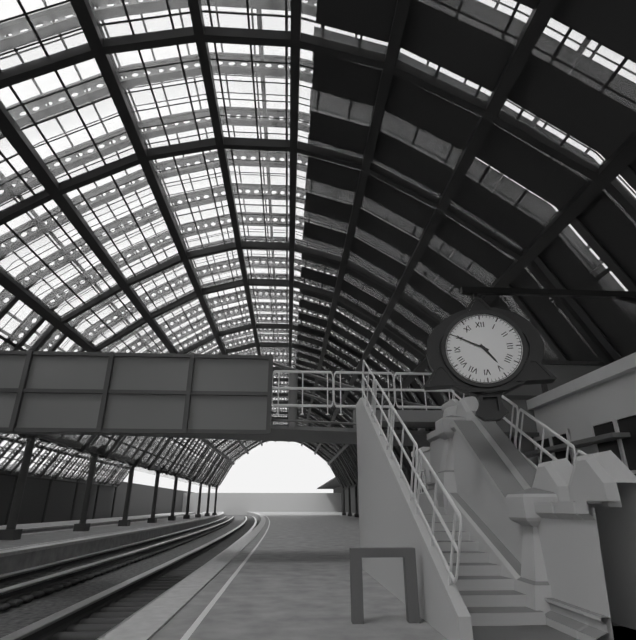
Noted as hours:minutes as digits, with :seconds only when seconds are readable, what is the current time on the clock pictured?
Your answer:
4:50
